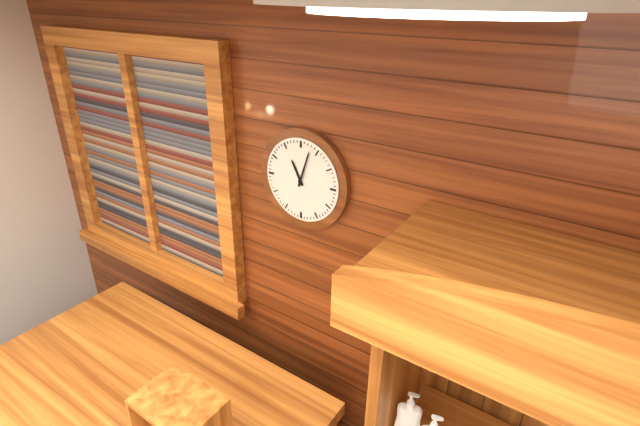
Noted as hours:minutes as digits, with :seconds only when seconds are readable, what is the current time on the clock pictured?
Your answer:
11:03
